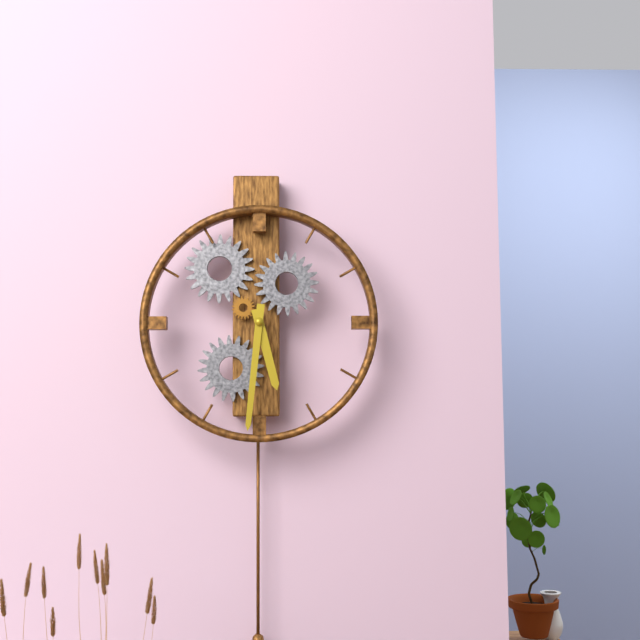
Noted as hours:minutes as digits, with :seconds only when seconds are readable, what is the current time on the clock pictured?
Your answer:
5:31
